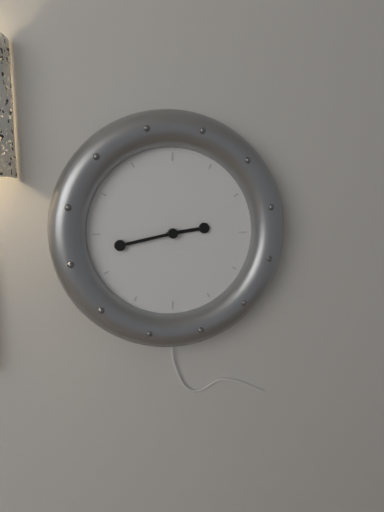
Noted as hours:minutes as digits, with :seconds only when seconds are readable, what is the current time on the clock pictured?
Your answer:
2:43
